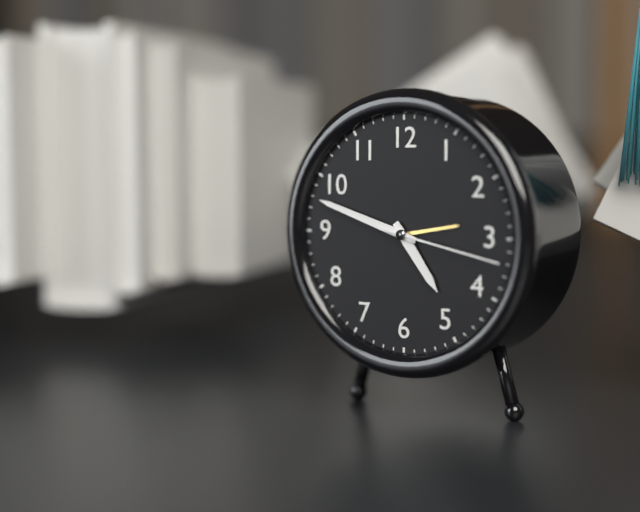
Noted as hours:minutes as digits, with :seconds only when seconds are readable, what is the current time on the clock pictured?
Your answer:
4:48:17
